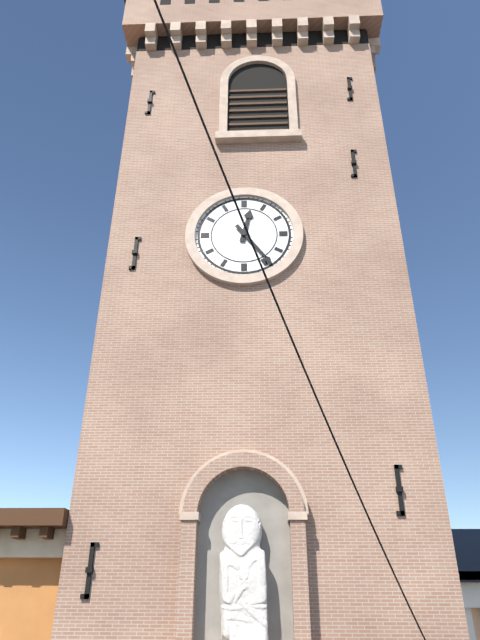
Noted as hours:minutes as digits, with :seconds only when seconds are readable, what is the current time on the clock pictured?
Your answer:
12:24
